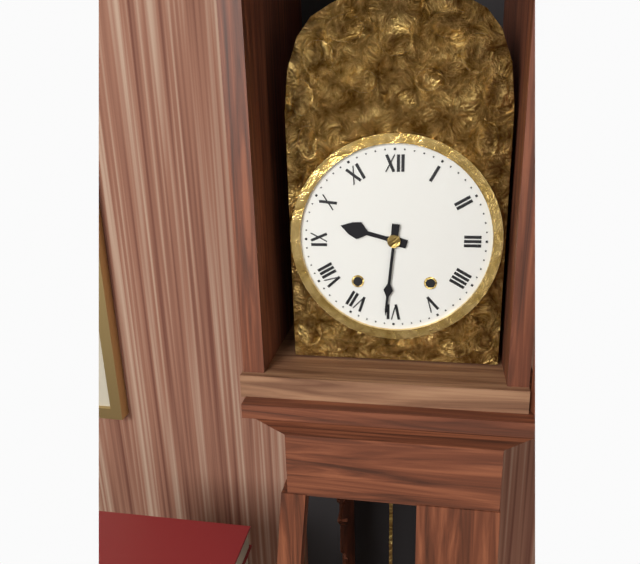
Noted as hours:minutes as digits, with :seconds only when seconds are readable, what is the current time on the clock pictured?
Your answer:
9:31
